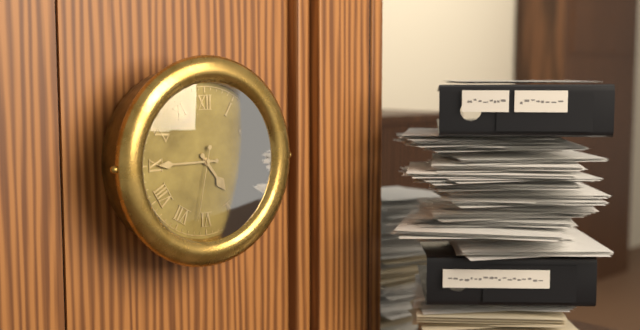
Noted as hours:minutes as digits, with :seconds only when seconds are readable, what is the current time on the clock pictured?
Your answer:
4:45:32
